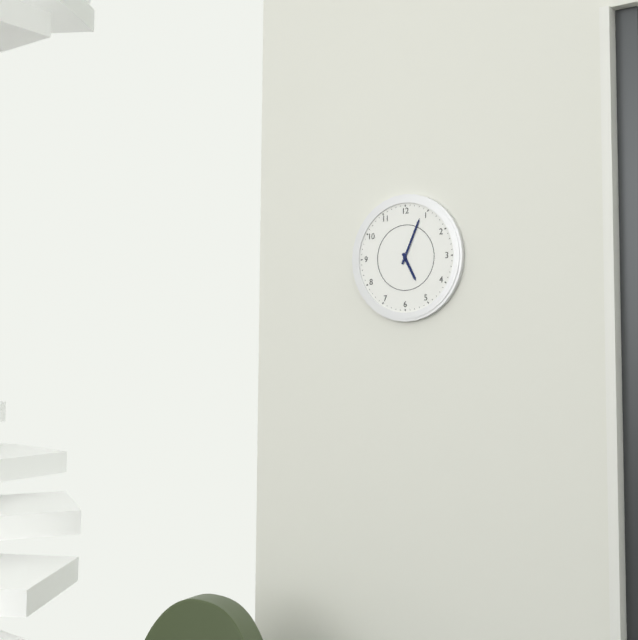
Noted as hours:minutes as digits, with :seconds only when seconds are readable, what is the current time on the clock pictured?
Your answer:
5:04
